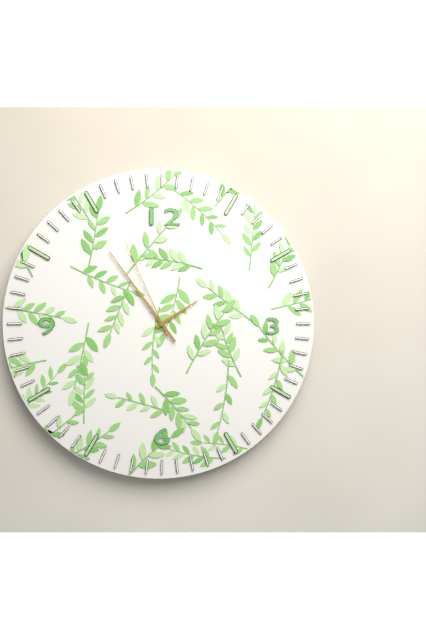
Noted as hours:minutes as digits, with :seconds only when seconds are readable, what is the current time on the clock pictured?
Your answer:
1:54:56
